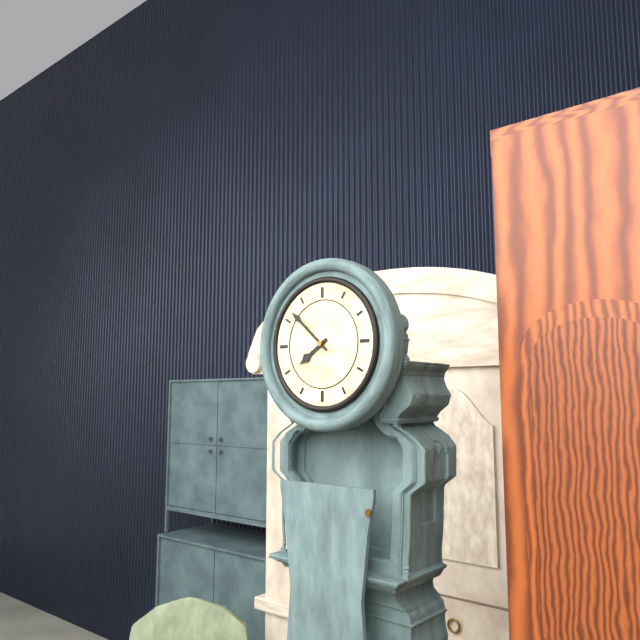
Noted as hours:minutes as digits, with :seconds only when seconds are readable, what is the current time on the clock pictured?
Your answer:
7:52
